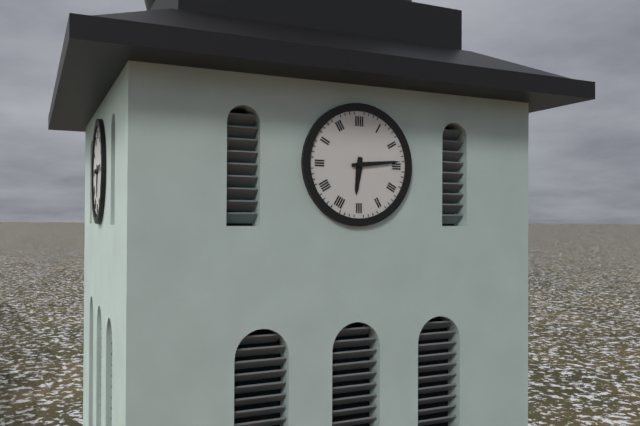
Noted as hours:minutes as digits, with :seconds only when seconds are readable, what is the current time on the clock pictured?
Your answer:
6:14
